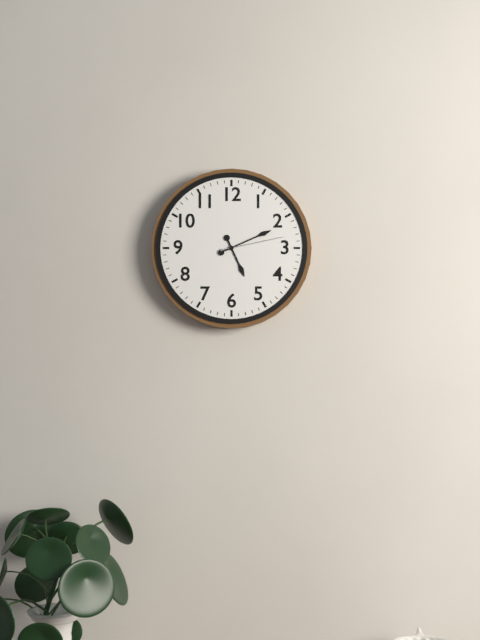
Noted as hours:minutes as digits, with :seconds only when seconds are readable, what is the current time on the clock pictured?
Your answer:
5:11:13
